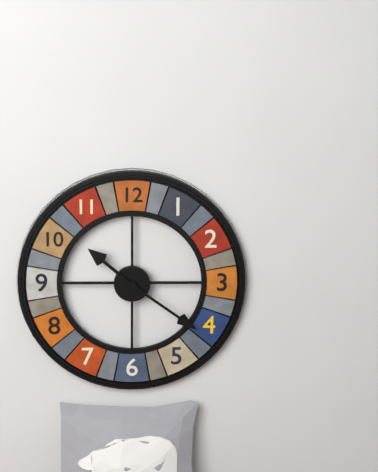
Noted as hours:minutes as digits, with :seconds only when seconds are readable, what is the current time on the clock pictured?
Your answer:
10:21
